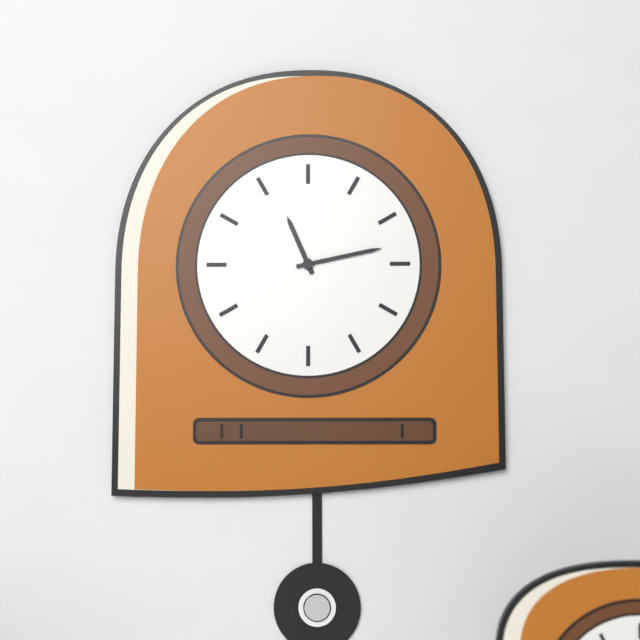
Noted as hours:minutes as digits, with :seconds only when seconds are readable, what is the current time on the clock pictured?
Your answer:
11:13
